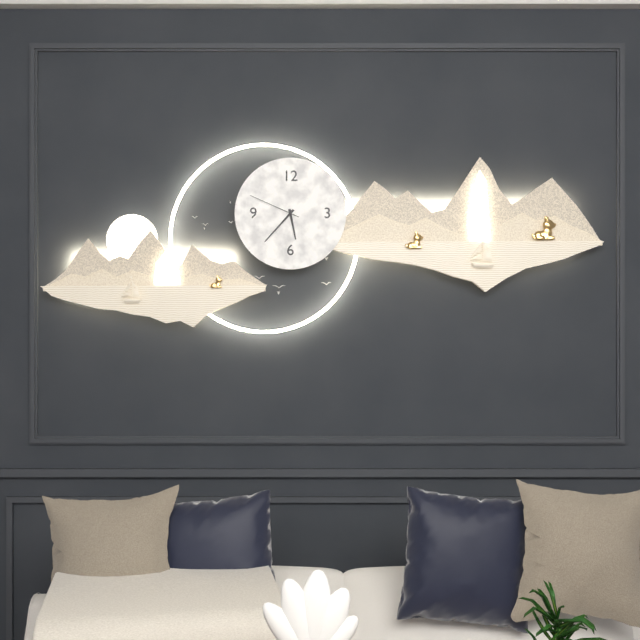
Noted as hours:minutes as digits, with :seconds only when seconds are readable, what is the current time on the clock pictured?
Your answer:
5:37:49
